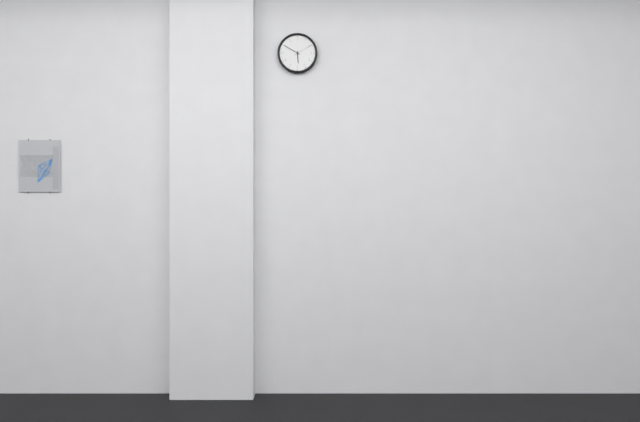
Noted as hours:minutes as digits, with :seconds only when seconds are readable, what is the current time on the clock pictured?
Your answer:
5:50
